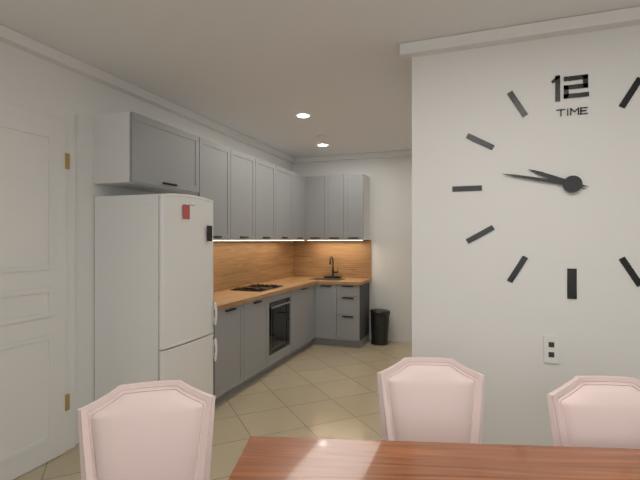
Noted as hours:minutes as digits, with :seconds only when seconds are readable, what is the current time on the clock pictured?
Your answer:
9:47
